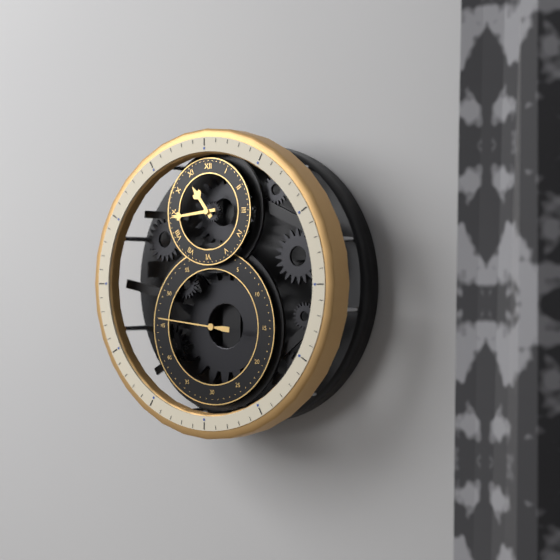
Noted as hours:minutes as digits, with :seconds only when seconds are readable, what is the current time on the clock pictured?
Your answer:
10:44:46
